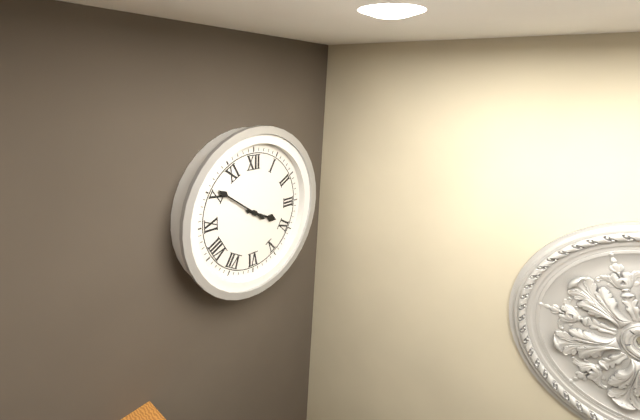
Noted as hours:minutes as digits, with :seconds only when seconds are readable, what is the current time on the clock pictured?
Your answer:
3:51
